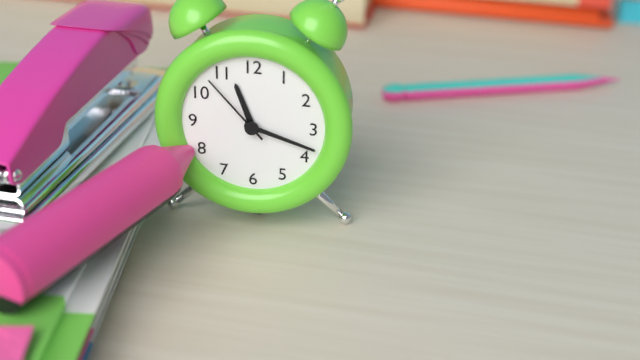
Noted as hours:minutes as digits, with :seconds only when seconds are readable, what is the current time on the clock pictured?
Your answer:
11:18:53
